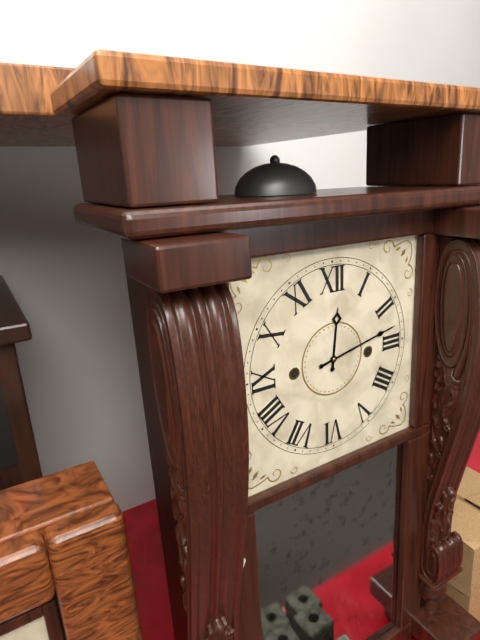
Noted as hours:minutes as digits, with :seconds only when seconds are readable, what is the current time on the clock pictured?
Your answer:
12:13
